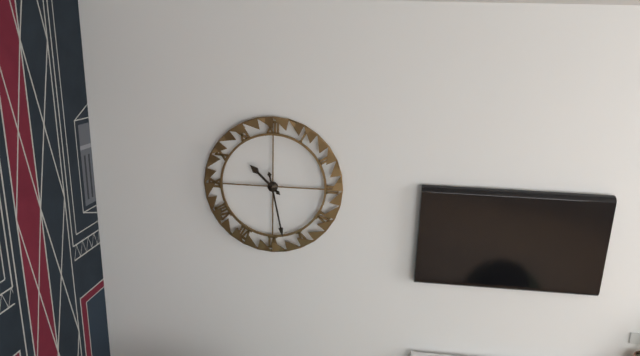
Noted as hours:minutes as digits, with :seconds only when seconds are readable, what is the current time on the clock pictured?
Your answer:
10:28
